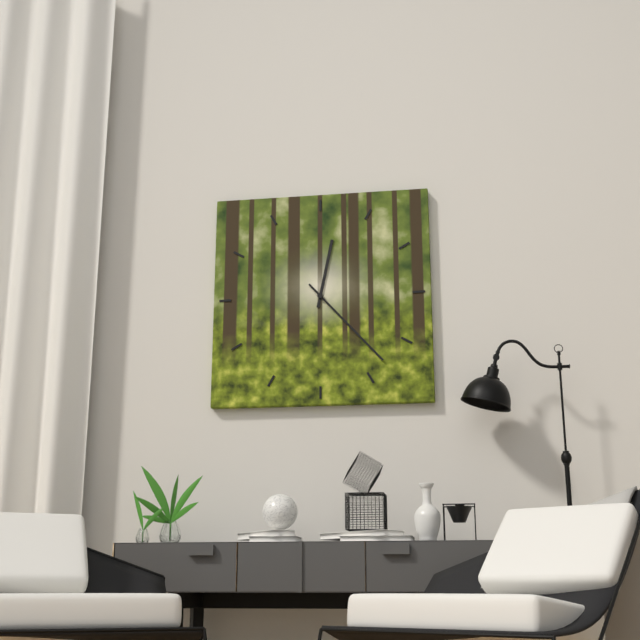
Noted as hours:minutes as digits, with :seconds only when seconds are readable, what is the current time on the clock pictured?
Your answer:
12:23
